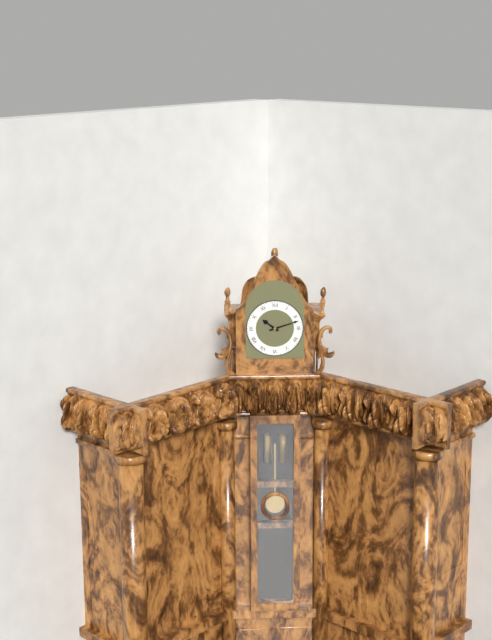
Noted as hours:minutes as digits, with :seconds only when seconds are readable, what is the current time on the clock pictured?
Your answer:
10:12
